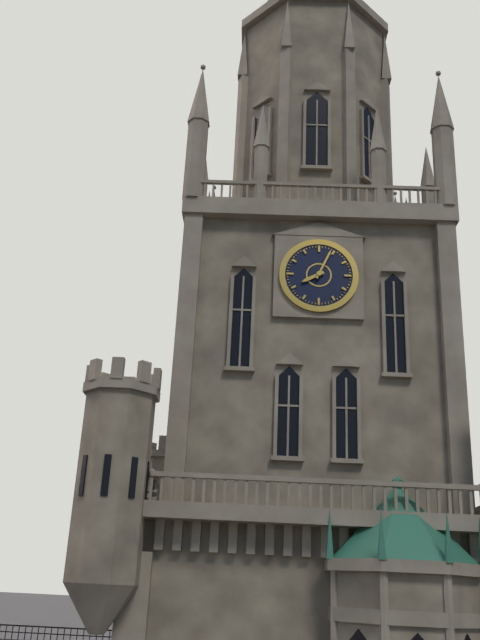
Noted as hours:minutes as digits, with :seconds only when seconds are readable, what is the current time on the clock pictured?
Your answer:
8:04
